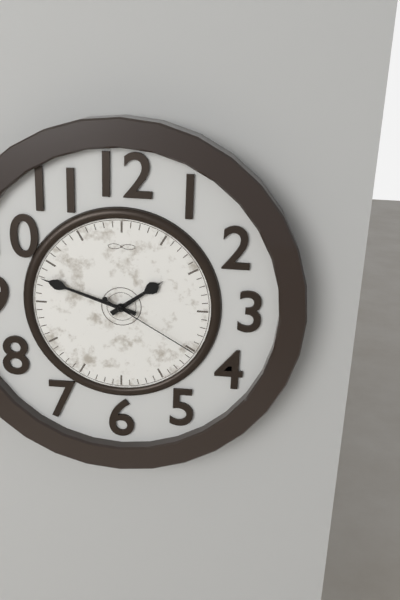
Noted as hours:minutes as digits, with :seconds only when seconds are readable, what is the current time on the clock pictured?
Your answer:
1:48:20
